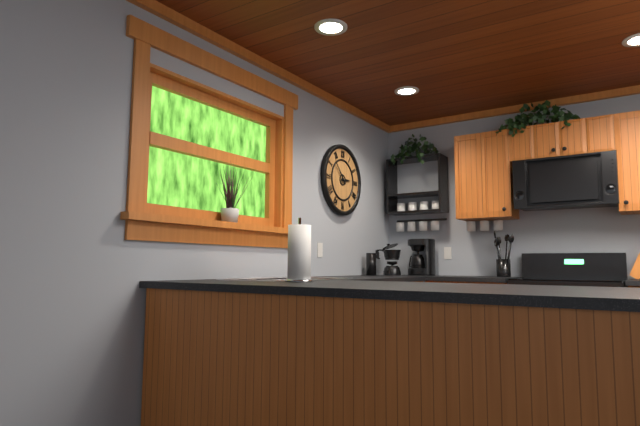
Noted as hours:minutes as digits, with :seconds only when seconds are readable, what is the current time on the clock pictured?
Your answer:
2:53
